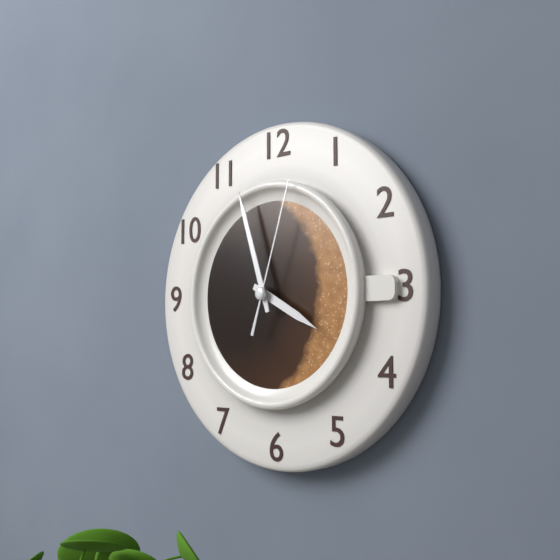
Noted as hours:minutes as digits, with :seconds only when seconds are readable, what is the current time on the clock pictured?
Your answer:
3:57:03
